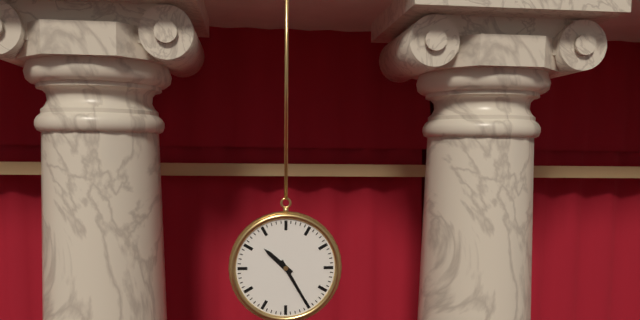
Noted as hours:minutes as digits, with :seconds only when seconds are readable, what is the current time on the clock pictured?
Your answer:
10:25
